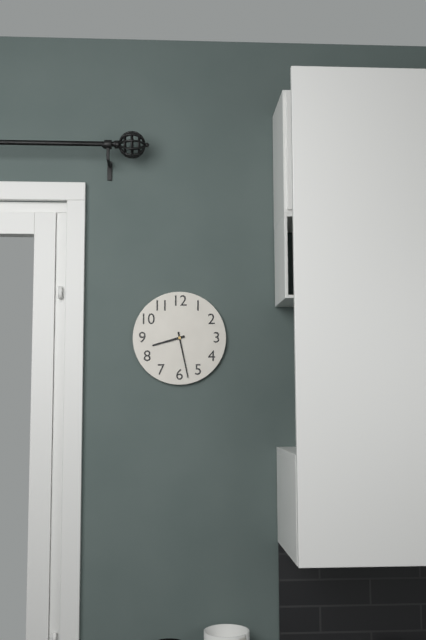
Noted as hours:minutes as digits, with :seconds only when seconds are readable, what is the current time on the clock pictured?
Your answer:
8:28
